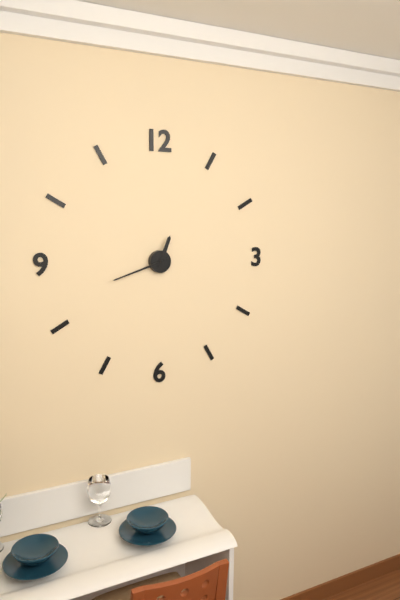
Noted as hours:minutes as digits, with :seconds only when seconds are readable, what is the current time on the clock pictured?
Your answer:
12:42
